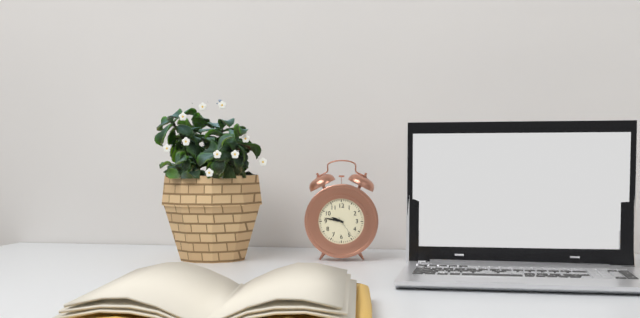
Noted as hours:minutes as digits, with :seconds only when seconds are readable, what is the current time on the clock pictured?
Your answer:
9:47
